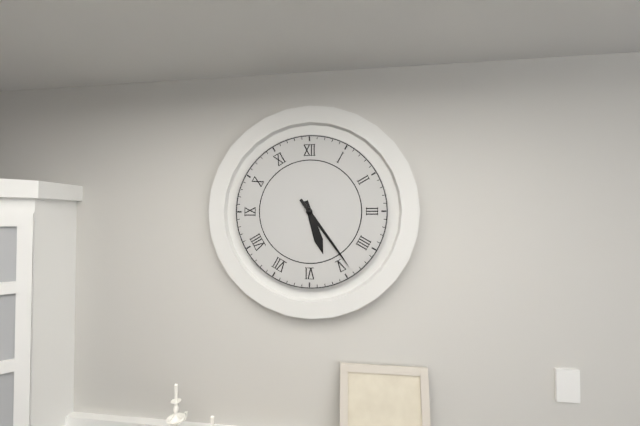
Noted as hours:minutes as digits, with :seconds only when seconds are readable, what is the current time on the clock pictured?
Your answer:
5:24
